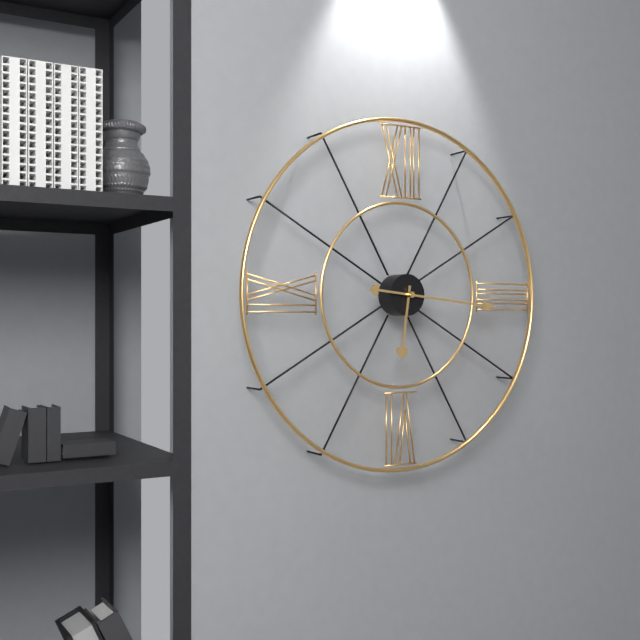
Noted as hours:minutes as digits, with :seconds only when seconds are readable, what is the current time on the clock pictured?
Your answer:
6:16
